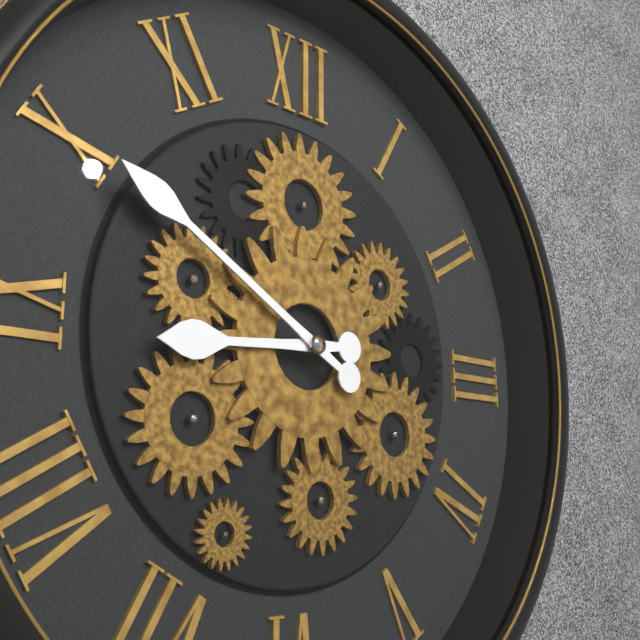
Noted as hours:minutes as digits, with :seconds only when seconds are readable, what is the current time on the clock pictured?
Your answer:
8:50
